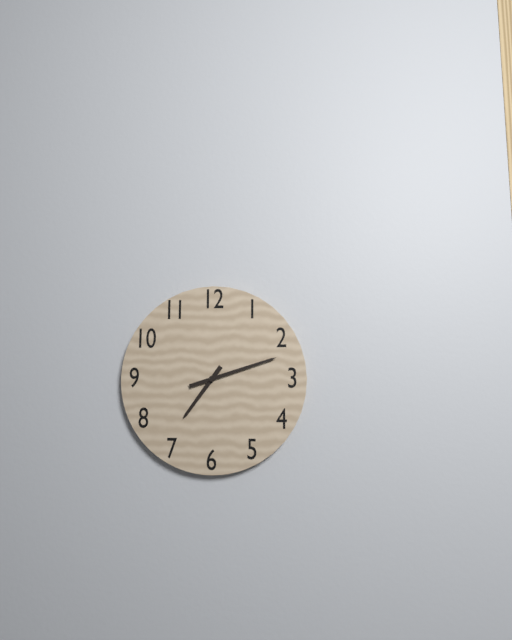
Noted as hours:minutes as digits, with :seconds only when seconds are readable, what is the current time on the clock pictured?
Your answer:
7:12
